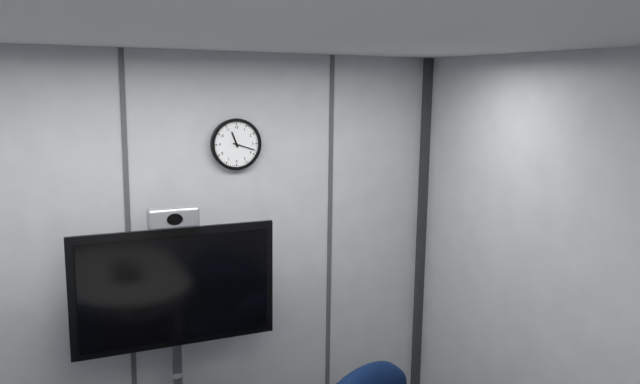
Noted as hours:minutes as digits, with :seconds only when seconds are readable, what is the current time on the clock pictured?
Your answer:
11:18
